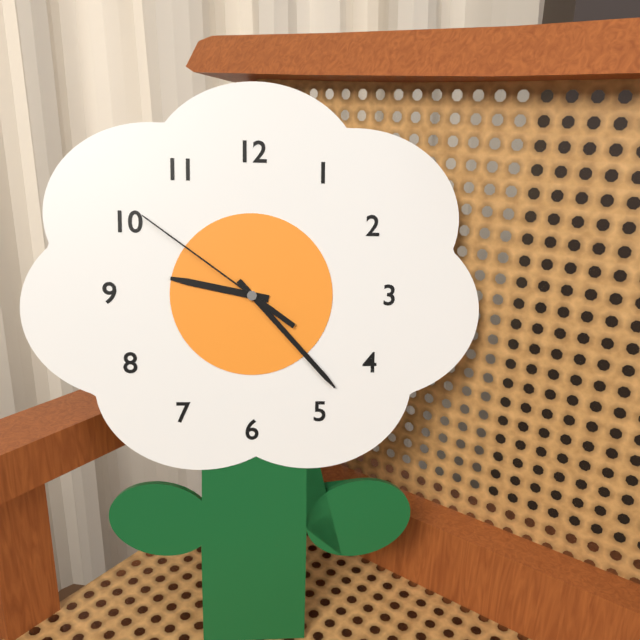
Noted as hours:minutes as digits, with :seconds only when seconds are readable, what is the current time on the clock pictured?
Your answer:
9:23:51
